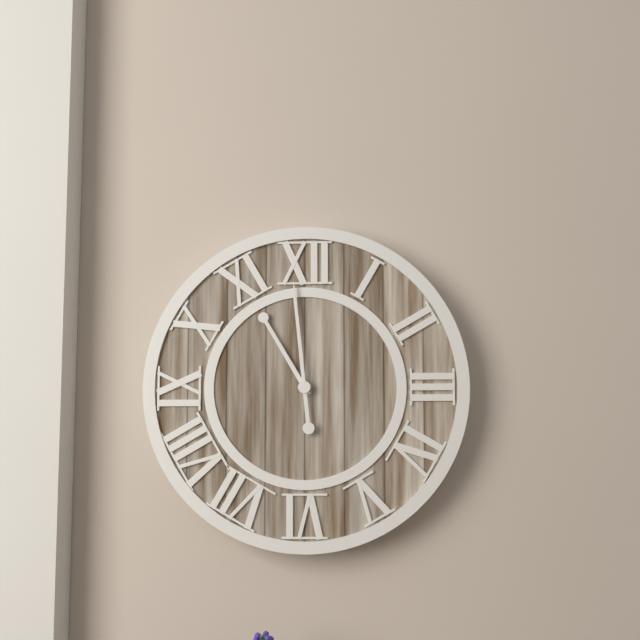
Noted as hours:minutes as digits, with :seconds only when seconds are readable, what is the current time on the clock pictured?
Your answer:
10:59
